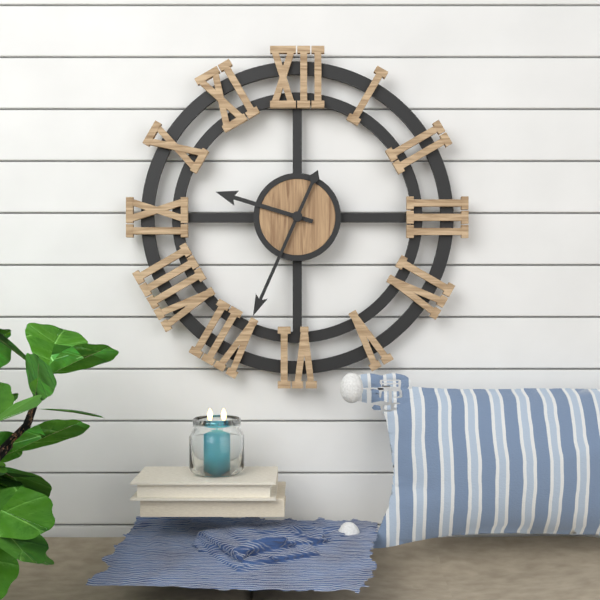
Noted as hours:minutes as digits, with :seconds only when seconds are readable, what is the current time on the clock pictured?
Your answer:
9:34
